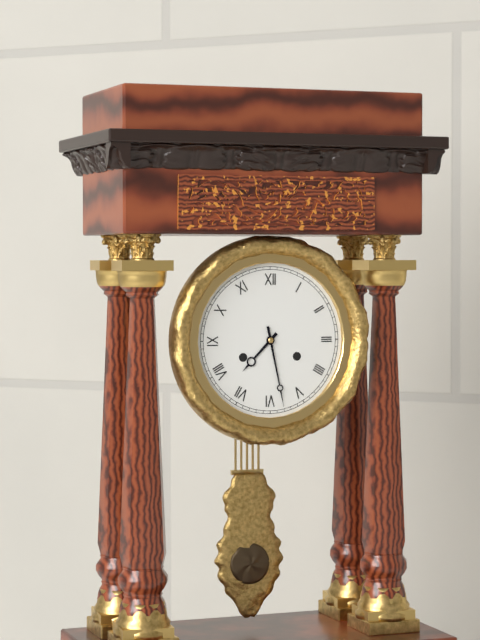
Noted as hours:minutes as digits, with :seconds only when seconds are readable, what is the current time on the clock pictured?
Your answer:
7:28
